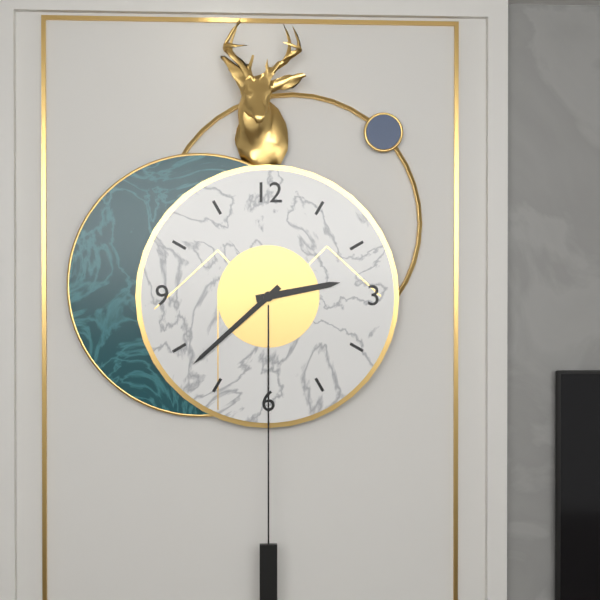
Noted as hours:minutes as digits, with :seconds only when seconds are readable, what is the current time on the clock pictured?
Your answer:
2:38
